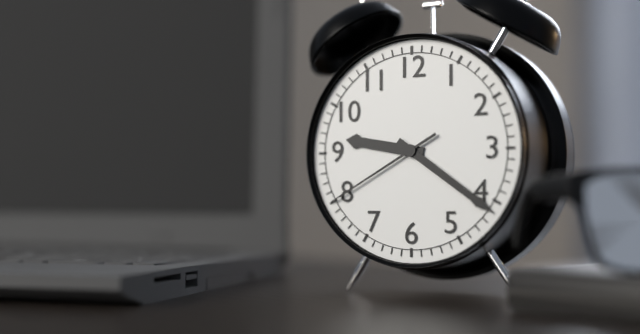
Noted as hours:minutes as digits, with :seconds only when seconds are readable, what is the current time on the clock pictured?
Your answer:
9:21:40
